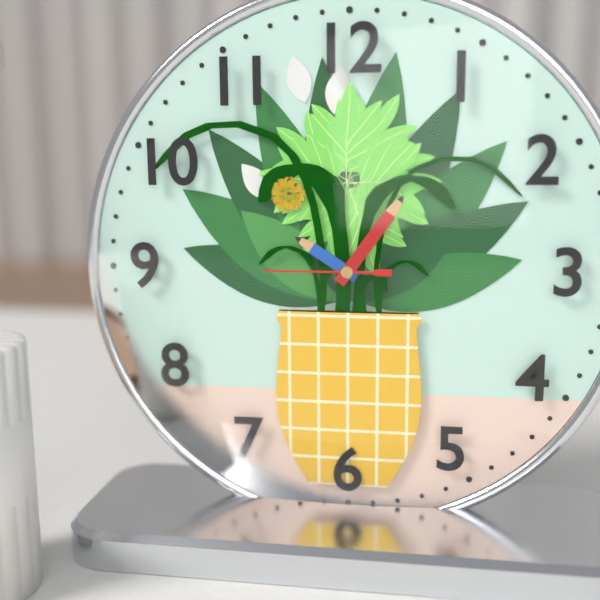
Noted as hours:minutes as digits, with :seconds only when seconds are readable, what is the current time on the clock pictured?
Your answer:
10:06:45
